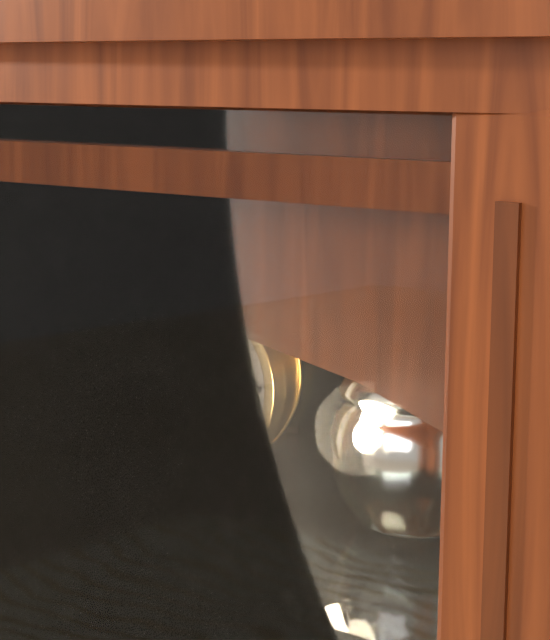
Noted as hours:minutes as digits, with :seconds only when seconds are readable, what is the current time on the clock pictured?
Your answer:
12:15
